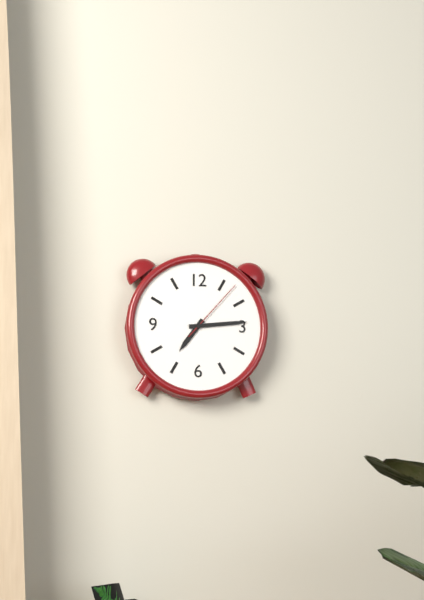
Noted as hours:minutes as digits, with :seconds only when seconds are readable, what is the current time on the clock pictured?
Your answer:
7:14:07
